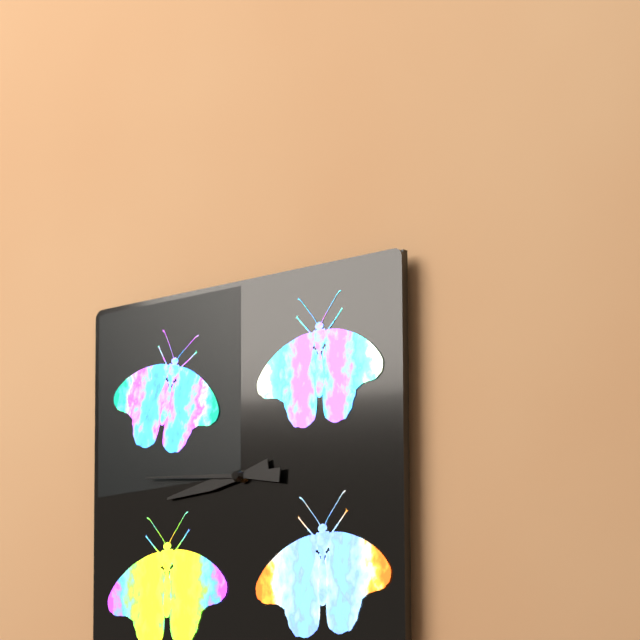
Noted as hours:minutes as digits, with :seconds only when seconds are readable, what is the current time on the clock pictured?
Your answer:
8:46
